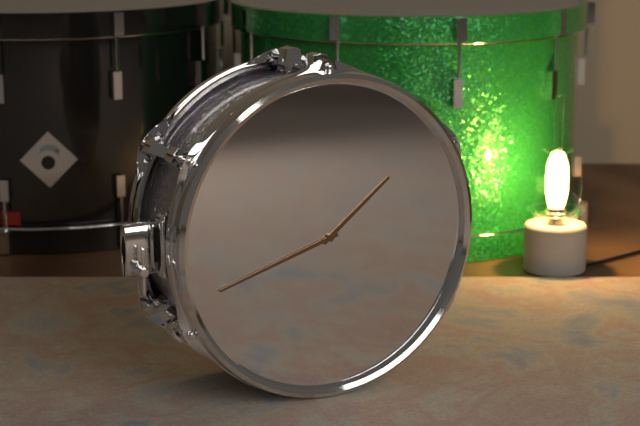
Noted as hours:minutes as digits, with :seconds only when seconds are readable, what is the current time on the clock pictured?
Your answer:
1:42
